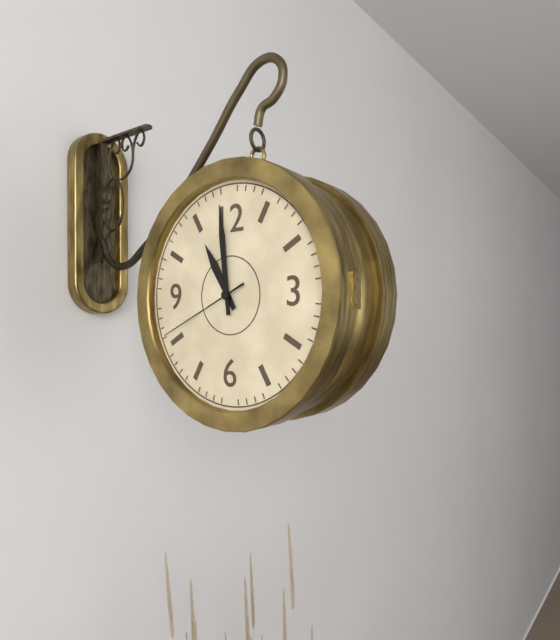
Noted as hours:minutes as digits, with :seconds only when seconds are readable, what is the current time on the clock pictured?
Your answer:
10:59:41
